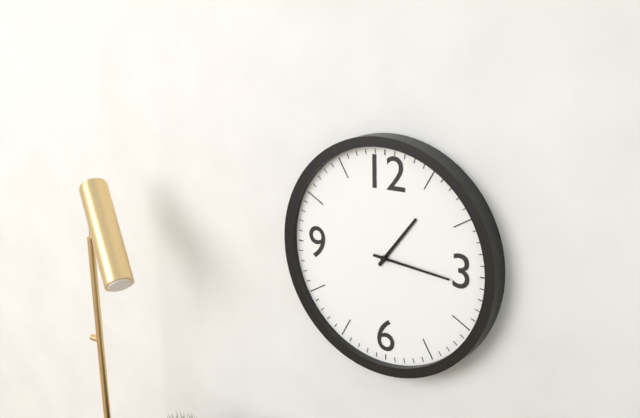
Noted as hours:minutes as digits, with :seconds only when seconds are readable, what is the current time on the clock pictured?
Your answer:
1:16
